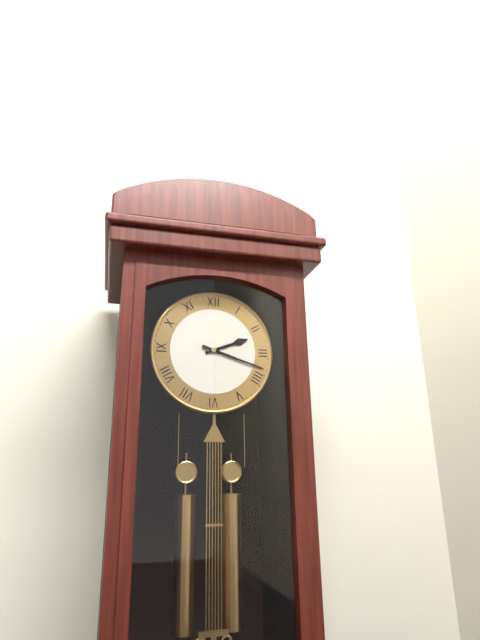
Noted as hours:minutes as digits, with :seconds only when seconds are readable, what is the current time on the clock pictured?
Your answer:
2:18
